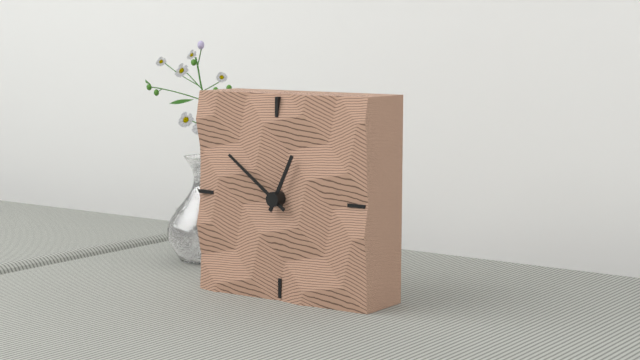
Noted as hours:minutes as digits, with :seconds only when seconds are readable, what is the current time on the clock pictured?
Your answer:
12:51
